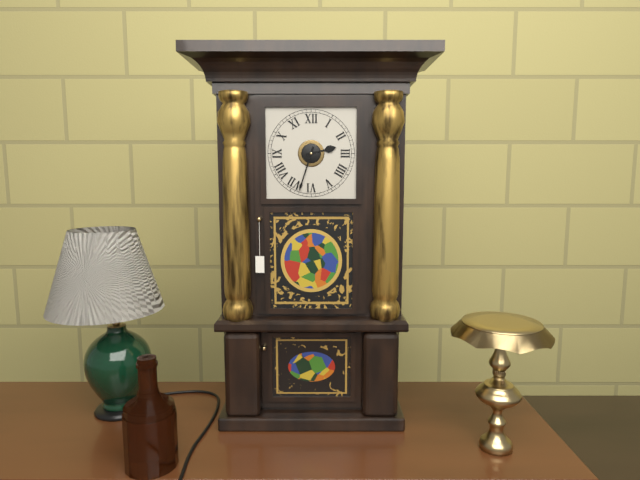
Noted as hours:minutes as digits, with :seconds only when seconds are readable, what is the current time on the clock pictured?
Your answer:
2:33
